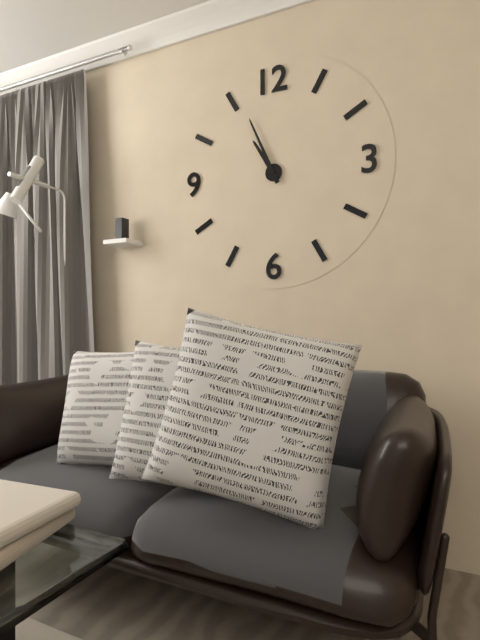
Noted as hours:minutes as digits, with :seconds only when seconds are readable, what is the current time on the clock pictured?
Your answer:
10:56
